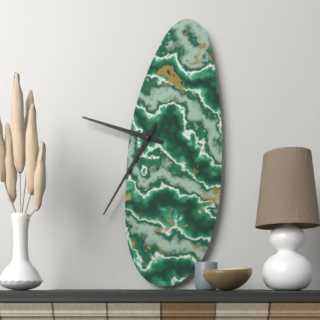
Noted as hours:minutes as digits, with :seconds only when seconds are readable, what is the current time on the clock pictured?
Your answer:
9:35
